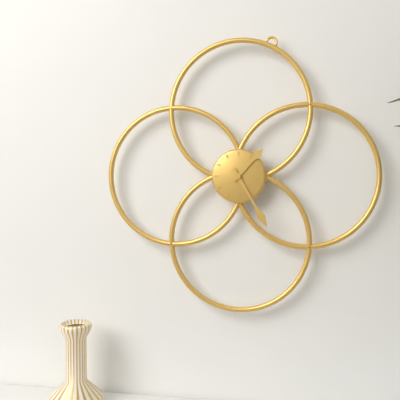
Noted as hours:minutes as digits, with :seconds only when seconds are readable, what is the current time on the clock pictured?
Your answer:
1:25
